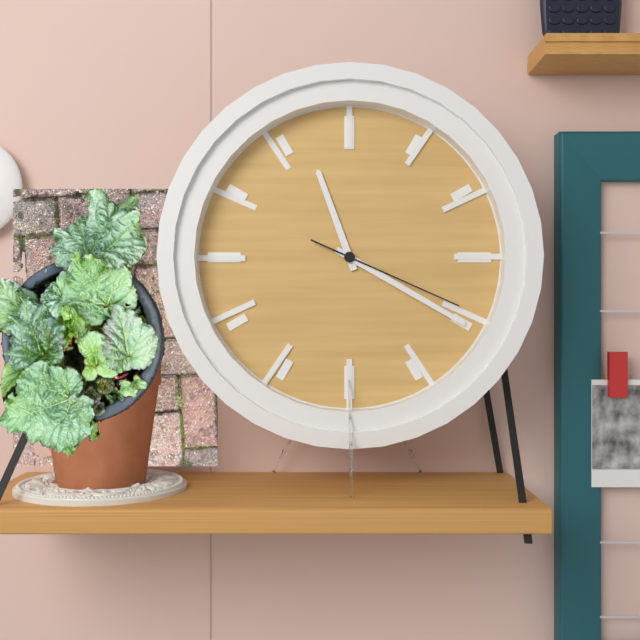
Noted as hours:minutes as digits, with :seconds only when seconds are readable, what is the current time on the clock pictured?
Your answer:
11:20:19
